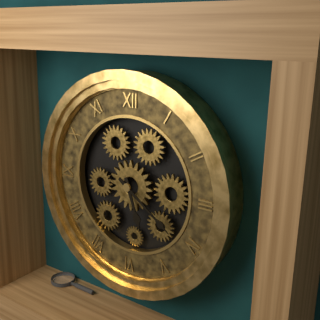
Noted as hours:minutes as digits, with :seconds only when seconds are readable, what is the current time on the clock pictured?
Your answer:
5:21
